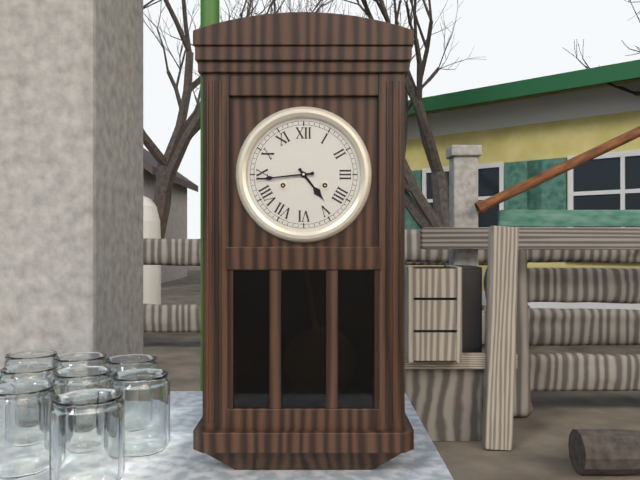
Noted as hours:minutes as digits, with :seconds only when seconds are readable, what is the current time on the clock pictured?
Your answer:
4:44
